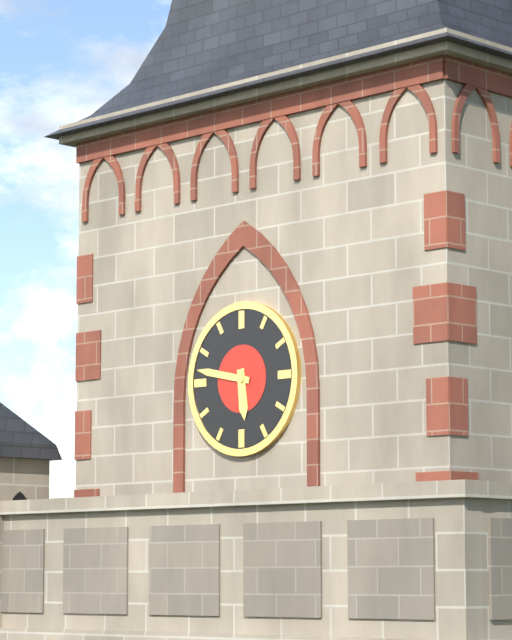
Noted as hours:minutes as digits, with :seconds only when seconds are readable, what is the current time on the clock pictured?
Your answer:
5:47
